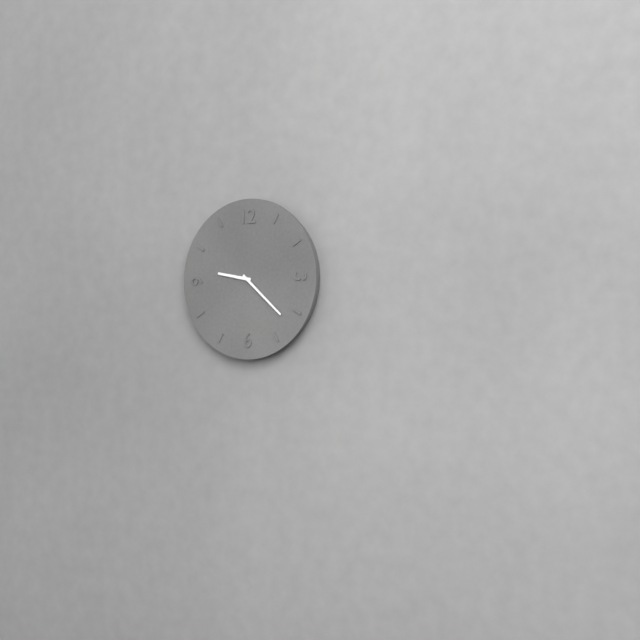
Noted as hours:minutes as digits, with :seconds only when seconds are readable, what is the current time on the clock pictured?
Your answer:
9:22
